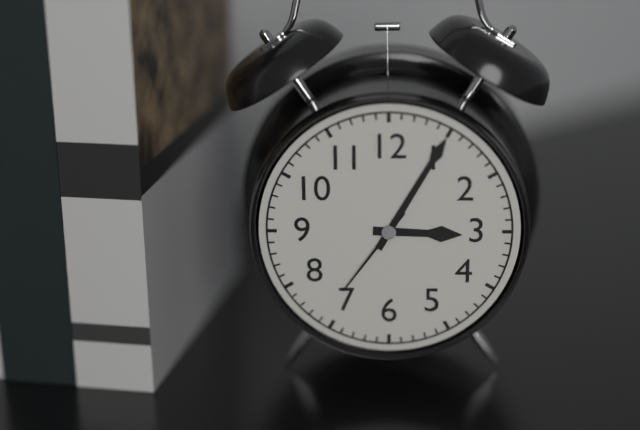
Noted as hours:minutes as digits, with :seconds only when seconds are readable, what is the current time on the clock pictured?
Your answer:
3:05:36
